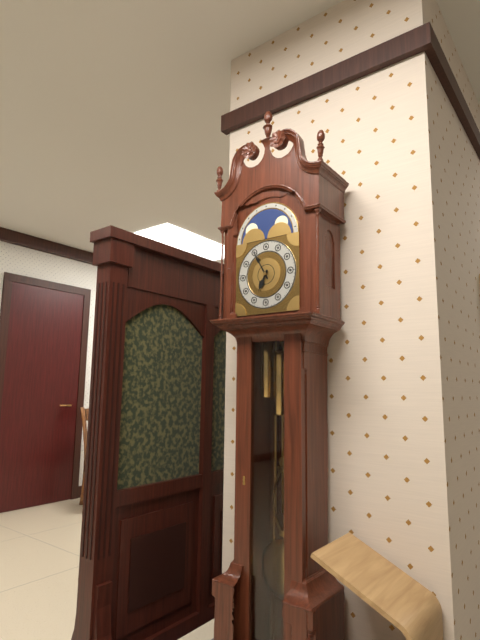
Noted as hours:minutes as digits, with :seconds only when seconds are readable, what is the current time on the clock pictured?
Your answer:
6:55
